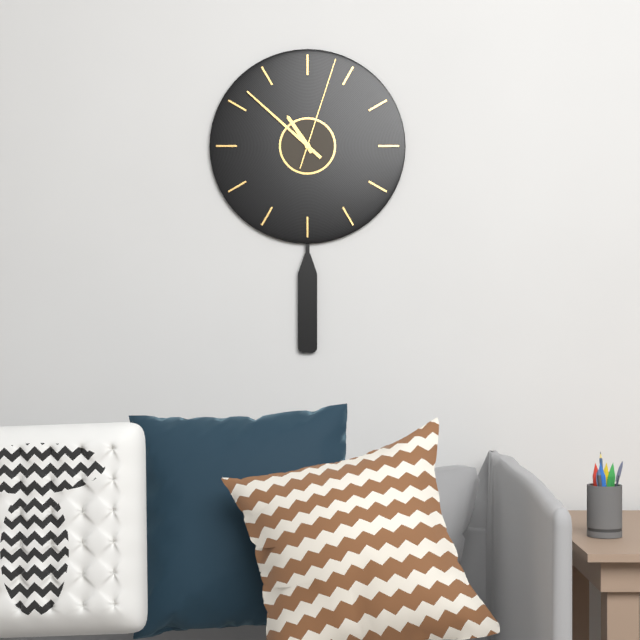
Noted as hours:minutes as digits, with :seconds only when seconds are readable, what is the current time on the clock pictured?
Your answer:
10:52:03
